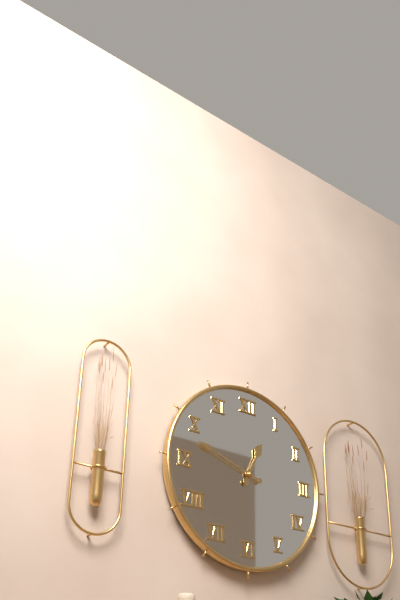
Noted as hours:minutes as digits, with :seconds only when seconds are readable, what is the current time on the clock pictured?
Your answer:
12:48
